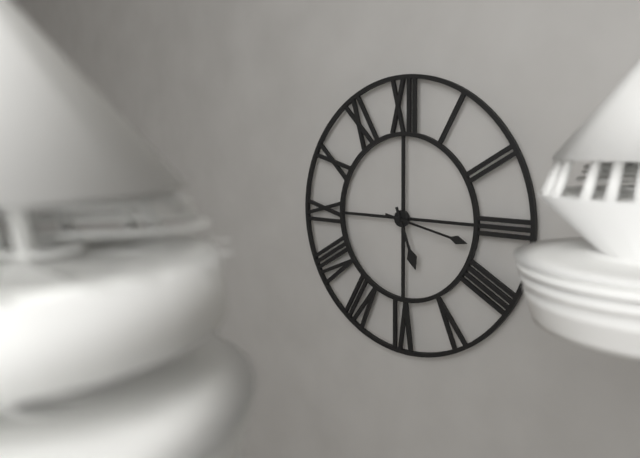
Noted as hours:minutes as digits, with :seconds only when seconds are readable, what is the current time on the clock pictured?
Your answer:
5:17
